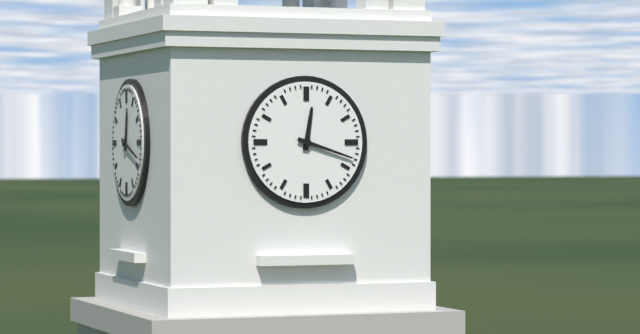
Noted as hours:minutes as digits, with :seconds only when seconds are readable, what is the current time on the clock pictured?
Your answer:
12:18
